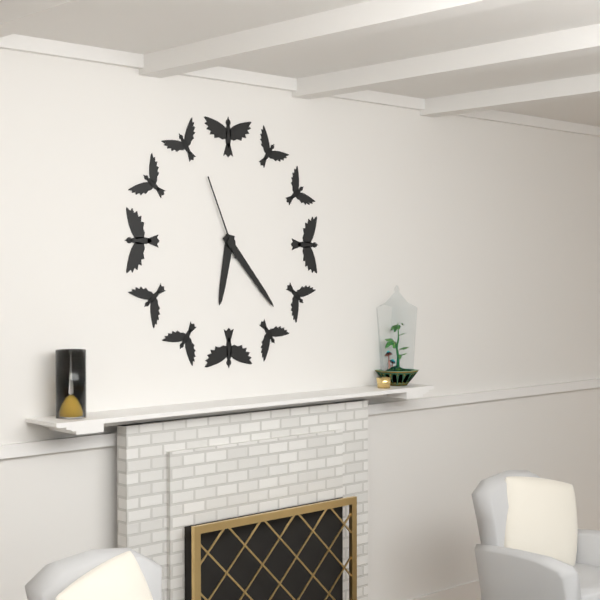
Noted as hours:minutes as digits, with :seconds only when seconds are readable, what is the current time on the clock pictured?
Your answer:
6:23:56
